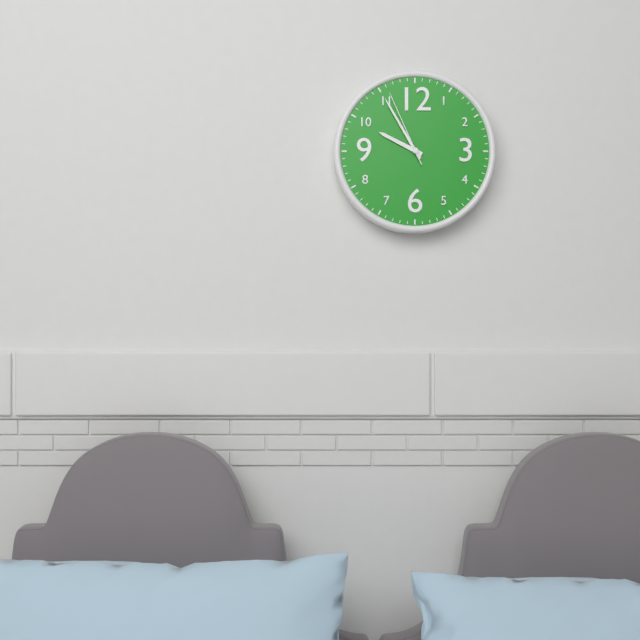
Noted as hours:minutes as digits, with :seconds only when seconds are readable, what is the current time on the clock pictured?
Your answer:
9:55:56
